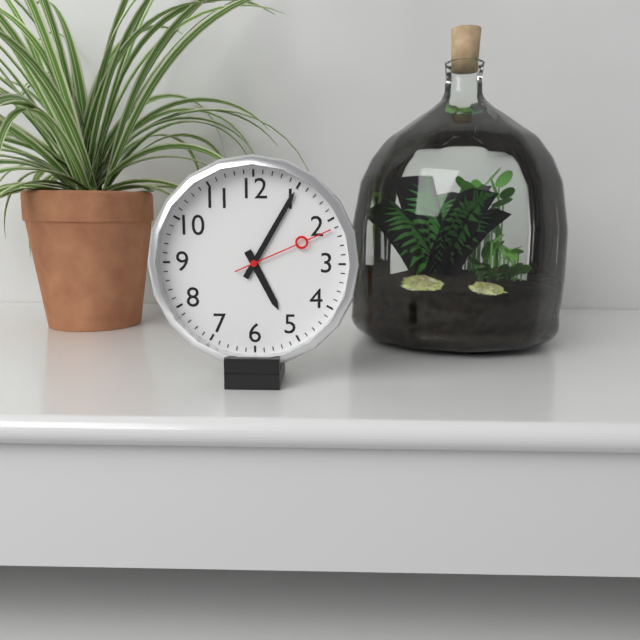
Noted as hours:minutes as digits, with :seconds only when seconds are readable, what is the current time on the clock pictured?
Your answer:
5:05:11
